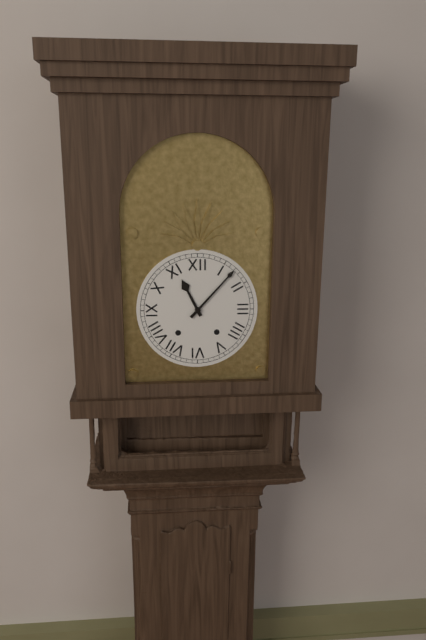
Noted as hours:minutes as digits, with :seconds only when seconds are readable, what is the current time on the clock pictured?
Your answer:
11:07
